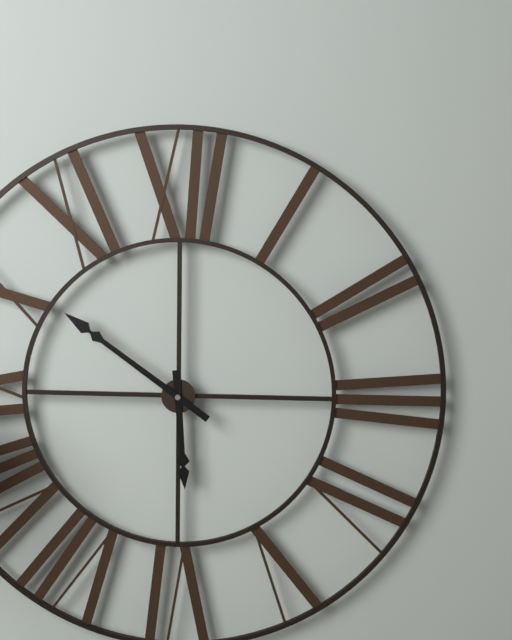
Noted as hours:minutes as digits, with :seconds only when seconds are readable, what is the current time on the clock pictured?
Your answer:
5:51
